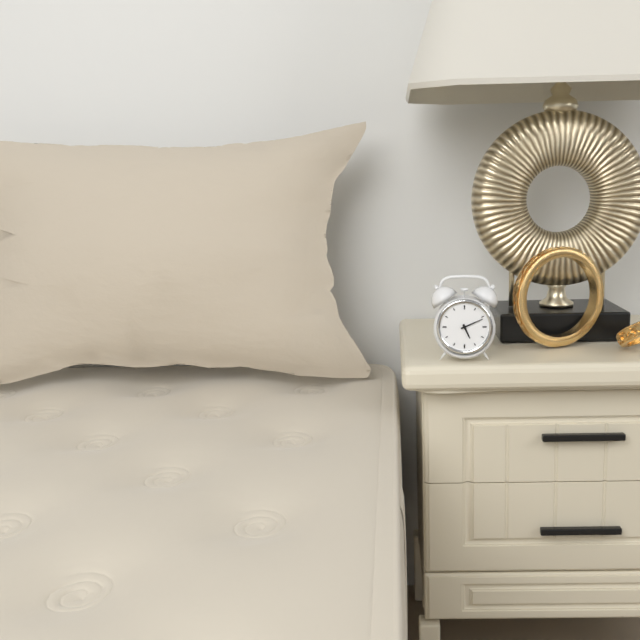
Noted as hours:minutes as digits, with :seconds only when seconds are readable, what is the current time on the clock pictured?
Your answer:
5:11
